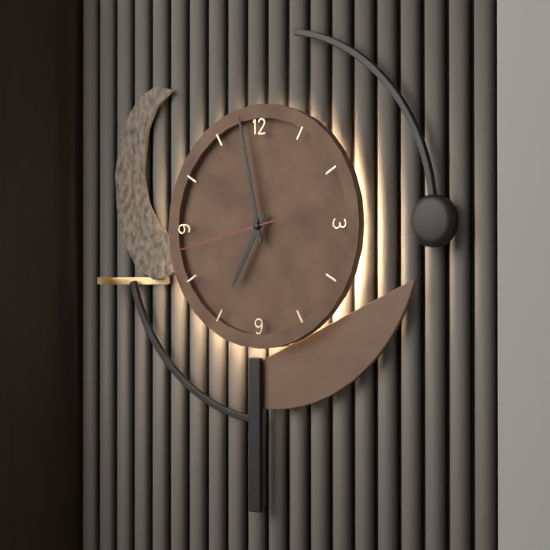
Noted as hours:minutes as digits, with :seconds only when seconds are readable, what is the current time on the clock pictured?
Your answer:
6:58:43
